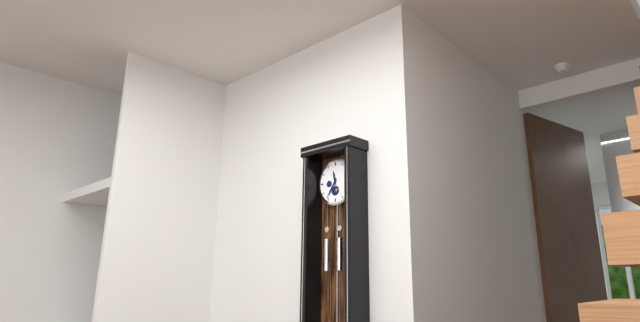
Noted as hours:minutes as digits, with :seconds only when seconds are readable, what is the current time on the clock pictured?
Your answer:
11:36
